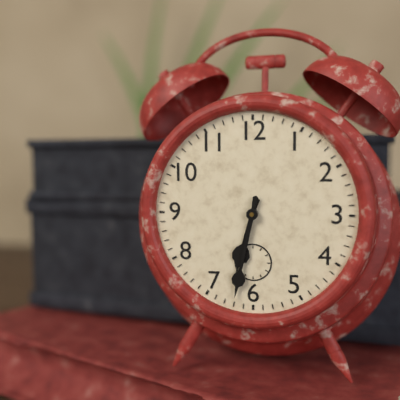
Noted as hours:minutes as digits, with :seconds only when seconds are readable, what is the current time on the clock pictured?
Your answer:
6:32
